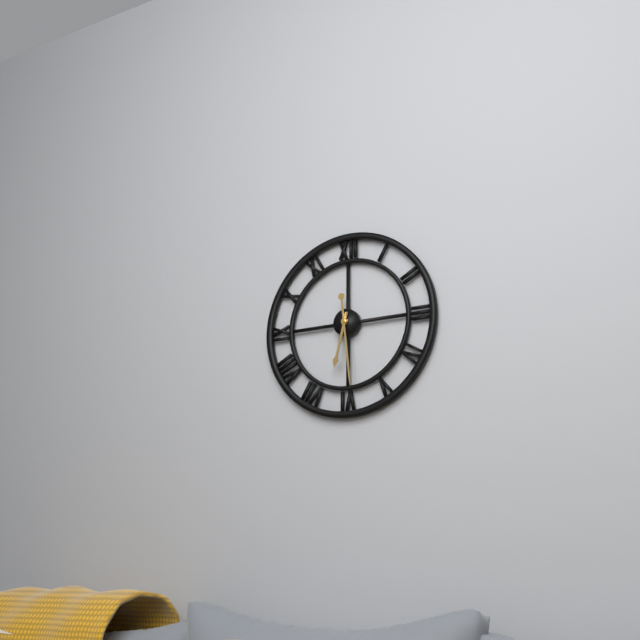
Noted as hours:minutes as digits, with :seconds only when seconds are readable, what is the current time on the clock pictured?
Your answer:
6:29
